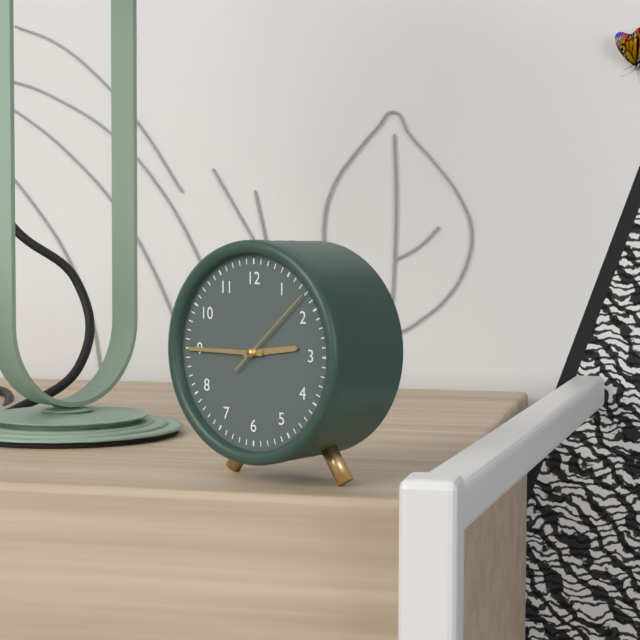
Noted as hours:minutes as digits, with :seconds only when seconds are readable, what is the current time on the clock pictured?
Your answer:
2:45:08
